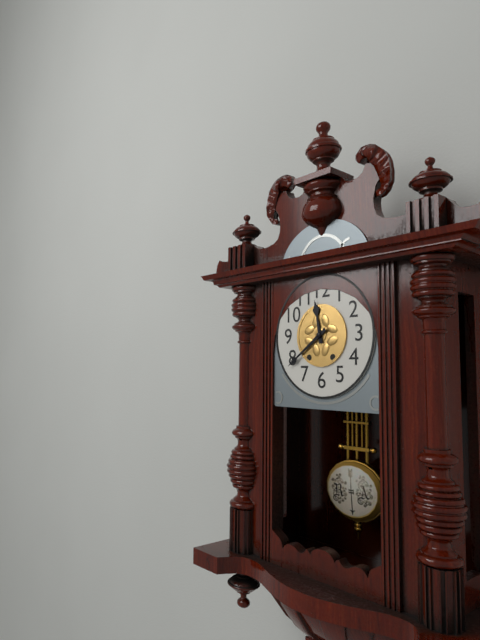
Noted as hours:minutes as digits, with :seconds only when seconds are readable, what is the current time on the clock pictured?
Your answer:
11:39
